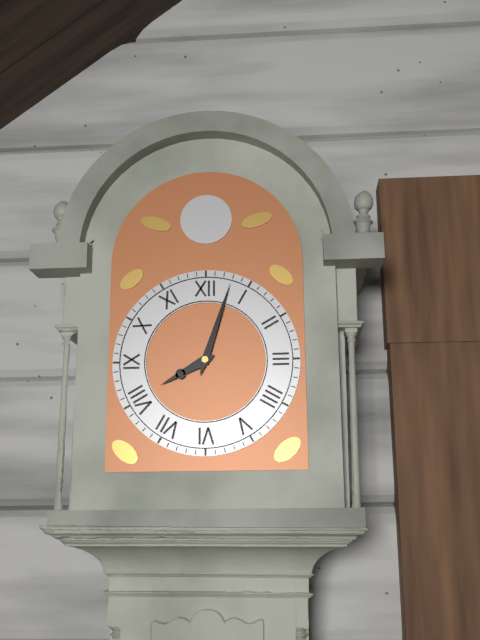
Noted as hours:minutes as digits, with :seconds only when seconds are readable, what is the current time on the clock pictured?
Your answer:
8:03
